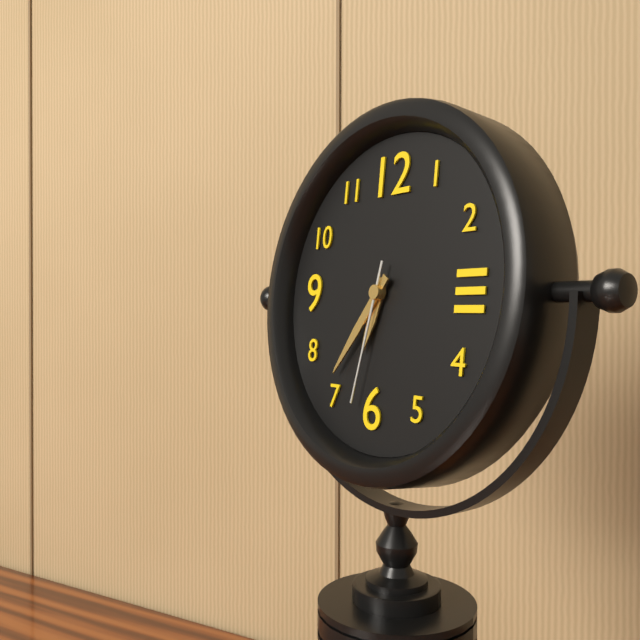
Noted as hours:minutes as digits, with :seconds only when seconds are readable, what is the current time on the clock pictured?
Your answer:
6:36:32
